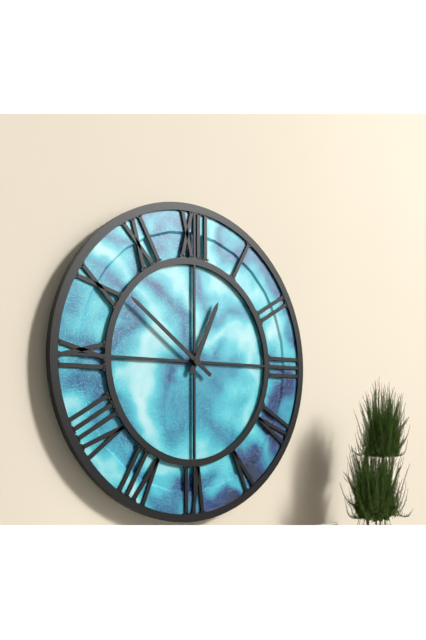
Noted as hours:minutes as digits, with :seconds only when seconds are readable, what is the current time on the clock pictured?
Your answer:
12:51
